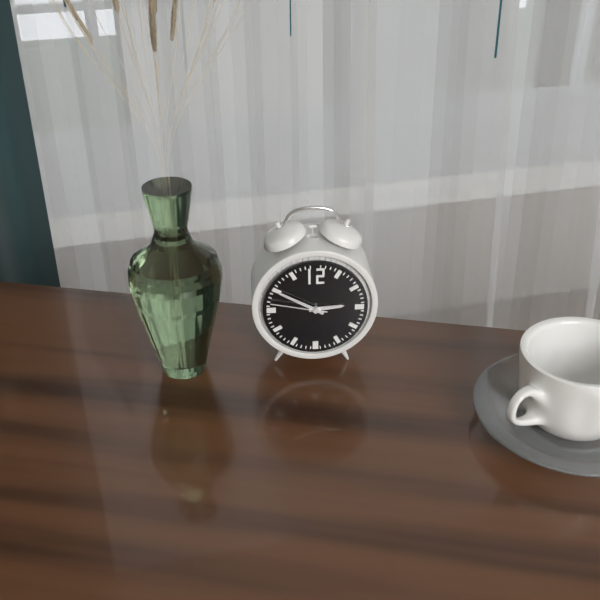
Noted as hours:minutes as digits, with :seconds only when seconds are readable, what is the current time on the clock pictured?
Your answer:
2:50:47
